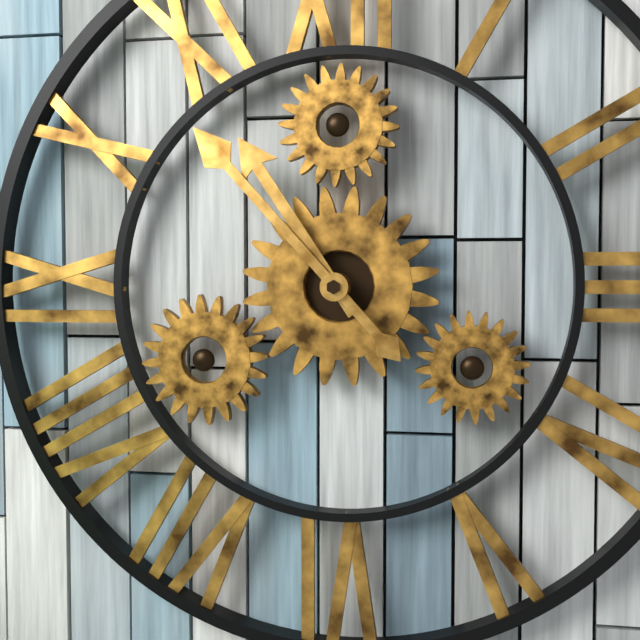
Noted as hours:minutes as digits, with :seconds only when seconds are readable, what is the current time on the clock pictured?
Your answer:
10:53
